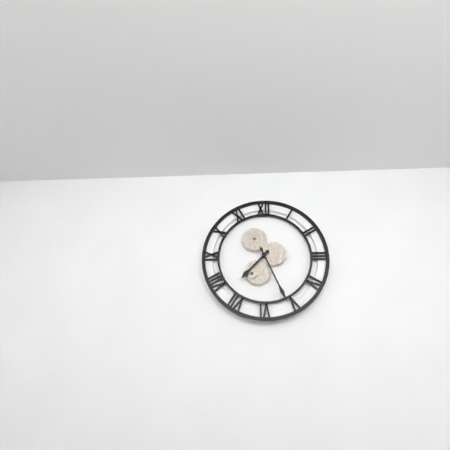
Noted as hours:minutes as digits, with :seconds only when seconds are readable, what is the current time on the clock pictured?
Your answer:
7:26
